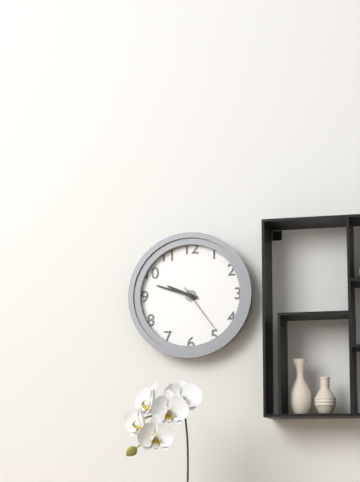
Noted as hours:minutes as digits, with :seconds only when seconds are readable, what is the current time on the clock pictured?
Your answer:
9:48:24
